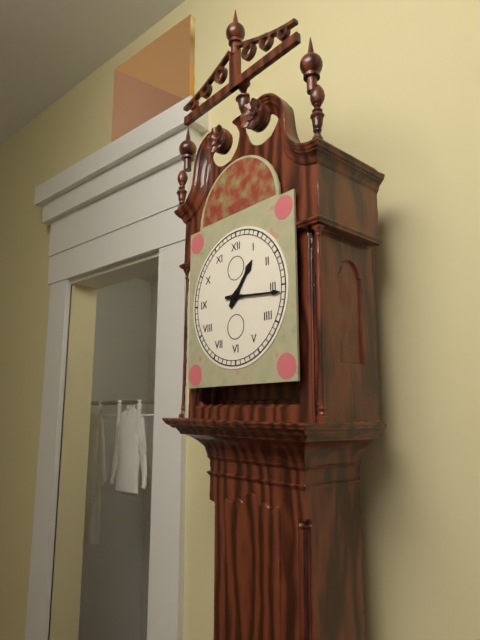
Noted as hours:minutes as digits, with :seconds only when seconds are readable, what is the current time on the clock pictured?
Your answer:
1:16
